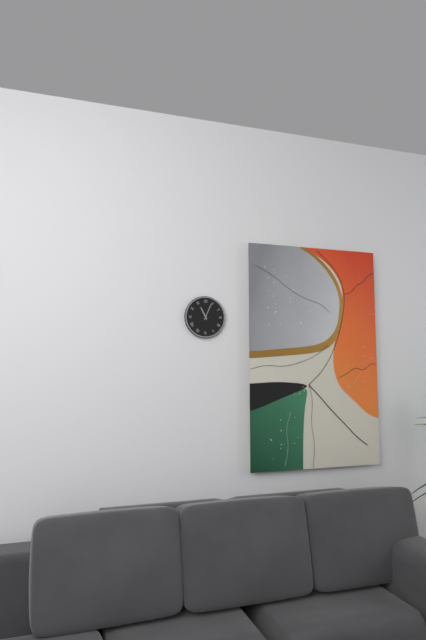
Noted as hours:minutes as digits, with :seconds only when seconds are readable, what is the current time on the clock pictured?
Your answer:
11:04
